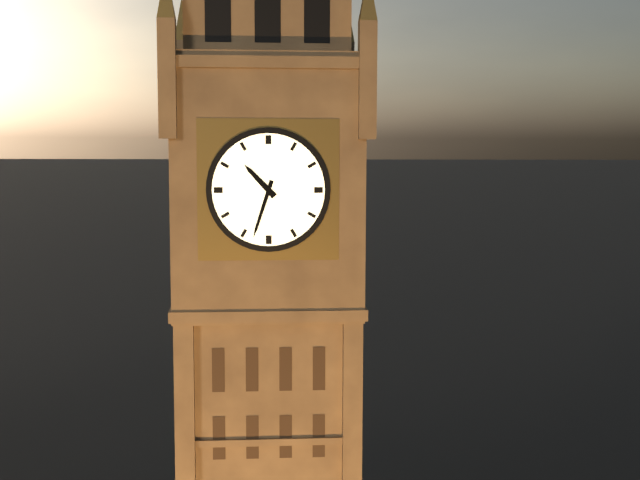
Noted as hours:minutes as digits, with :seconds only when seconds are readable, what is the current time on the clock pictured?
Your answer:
10:33
